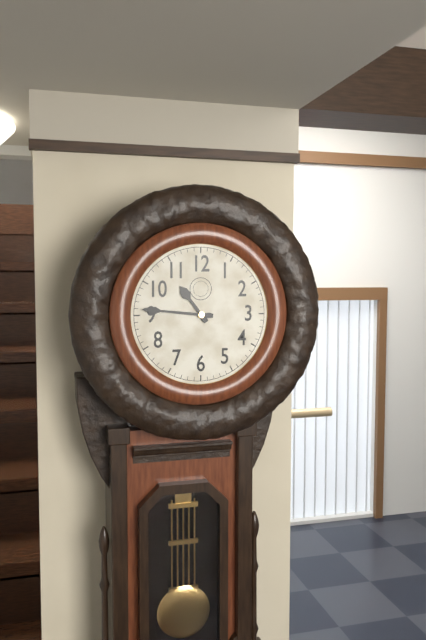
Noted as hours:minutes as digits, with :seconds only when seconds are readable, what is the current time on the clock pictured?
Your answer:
10:46
